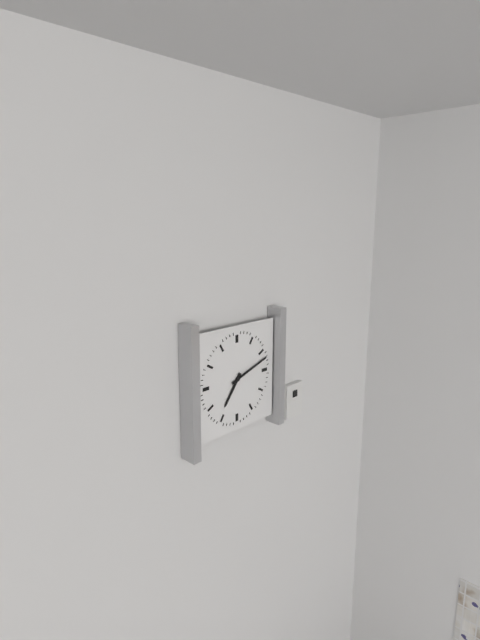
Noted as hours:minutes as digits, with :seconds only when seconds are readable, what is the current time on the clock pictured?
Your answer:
7:12
